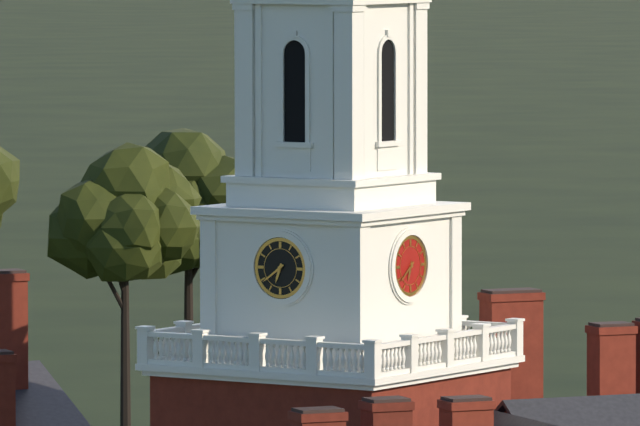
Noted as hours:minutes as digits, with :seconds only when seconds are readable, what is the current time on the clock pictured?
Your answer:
6:39
